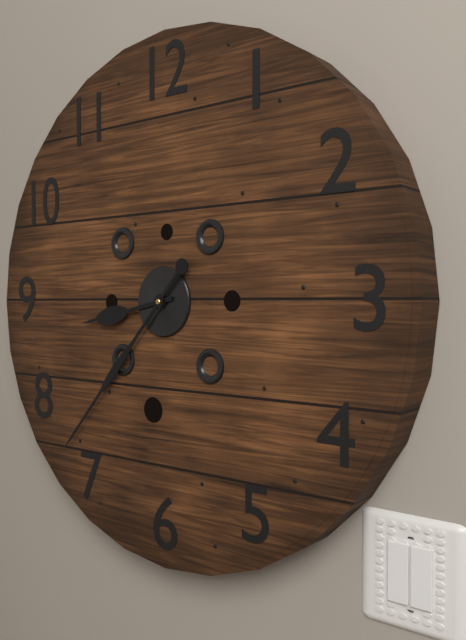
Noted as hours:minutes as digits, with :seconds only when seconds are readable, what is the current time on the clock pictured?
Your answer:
8:37
